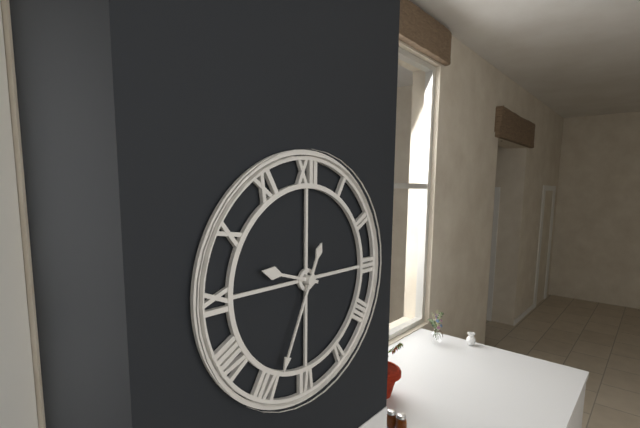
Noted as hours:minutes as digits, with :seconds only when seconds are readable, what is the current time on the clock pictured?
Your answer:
9:34
